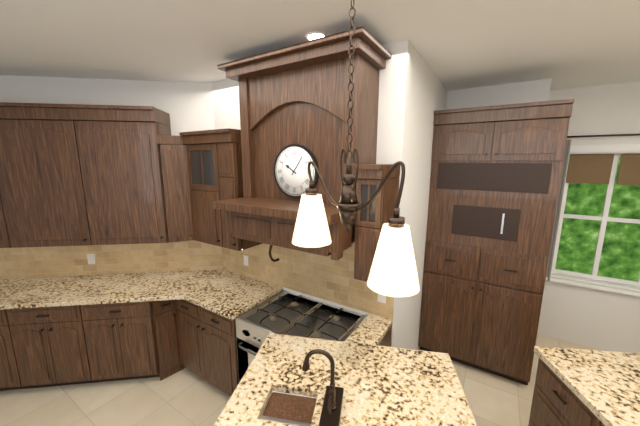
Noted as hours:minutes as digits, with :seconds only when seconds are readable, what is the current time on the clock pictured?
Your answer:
10:06
